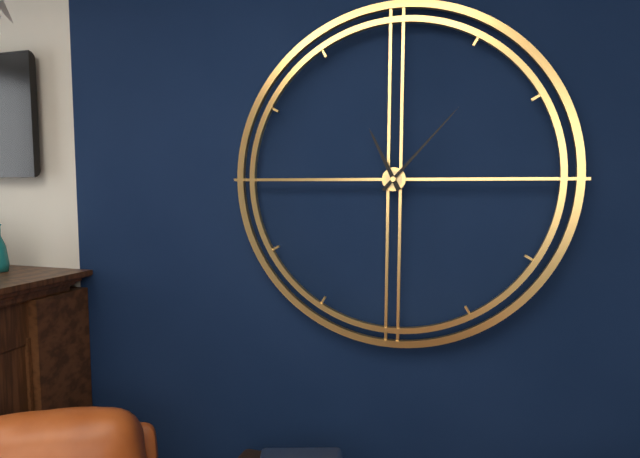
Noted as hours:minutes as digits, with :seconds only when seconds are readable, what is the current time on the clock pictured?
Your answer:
11:07
